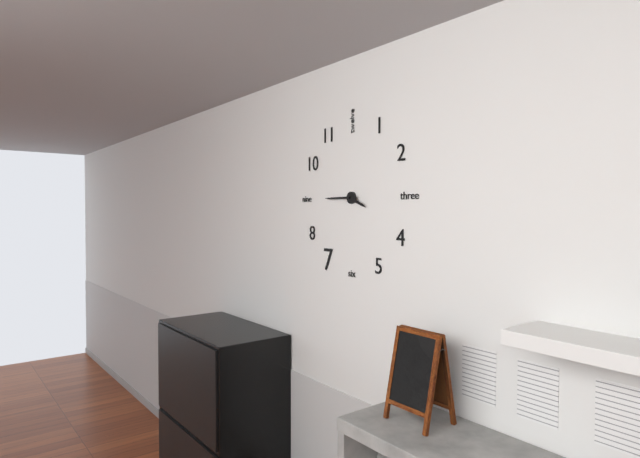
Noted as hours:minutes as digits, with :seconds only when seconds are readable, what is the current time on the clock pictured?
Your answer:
3:45
